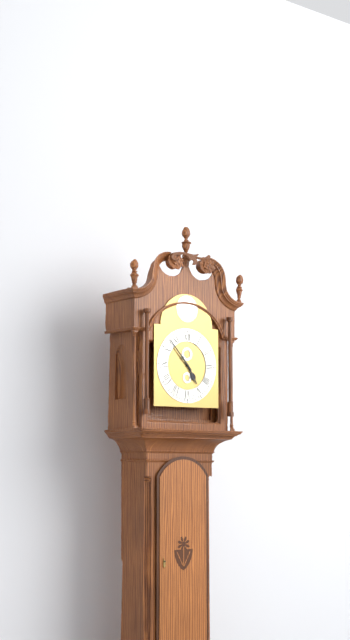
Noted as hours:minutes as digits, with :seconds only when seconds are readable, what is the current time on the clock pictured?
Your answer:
4:53
